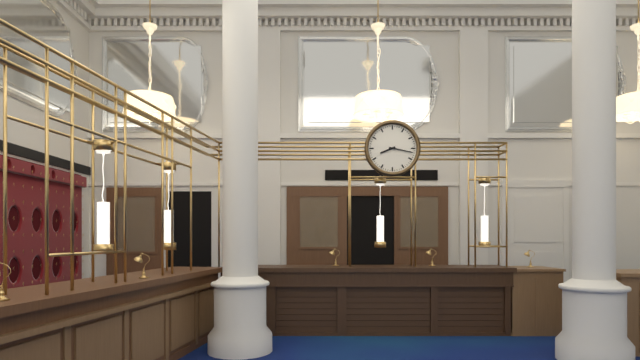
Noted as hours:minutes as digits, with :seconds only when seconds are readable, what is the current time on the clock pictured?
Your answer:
8:17
